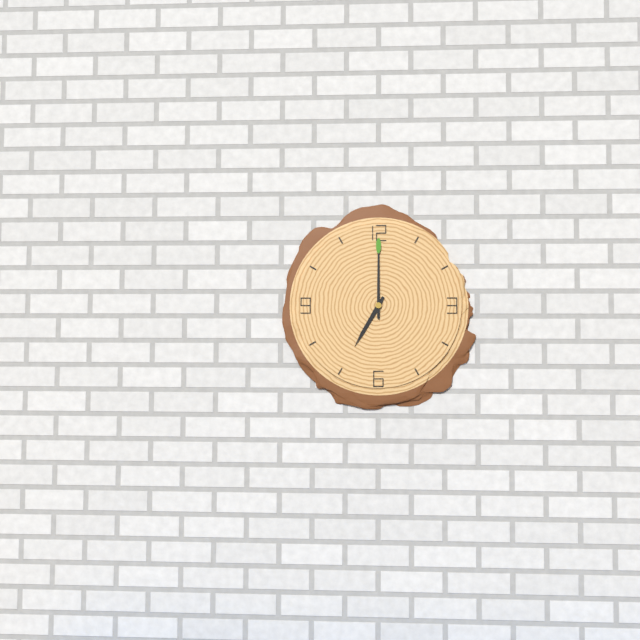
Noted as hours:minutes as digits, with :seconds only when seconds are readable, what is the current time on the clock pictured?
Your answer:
7:00
